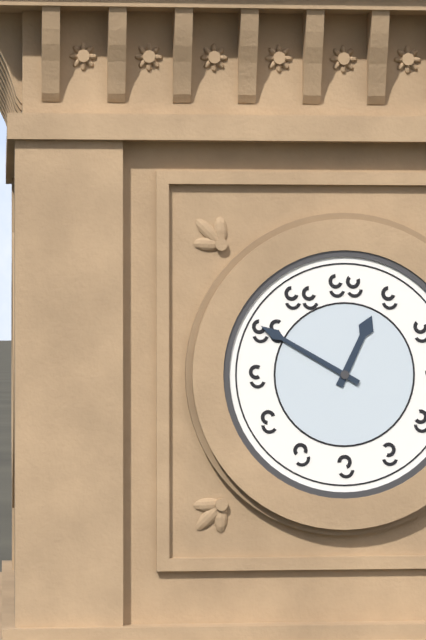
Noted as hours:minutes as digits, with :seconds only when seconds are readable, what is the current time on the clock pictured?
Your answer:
12:50
